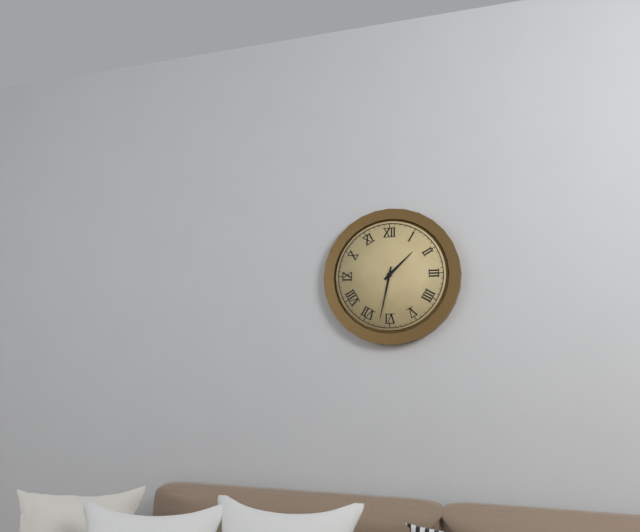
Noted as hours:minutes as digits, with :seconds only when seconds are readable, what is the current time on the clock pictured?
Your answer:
1:32
